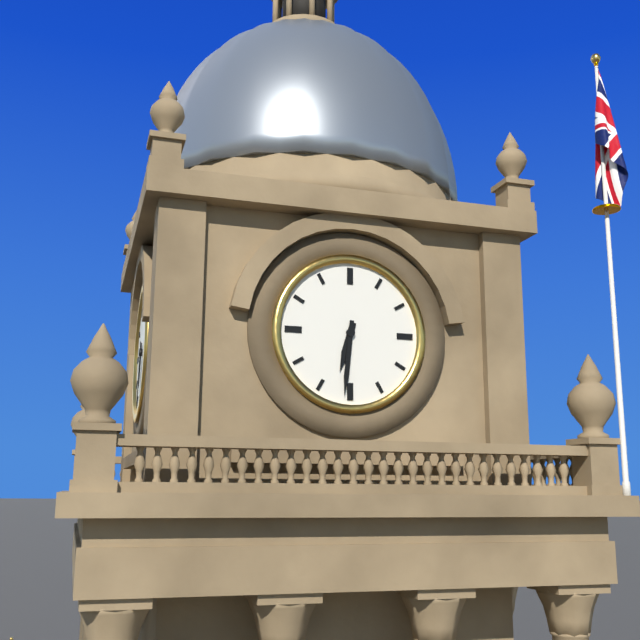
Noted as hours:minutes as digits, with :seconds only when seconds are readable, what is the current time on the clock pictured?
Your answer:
6:31
